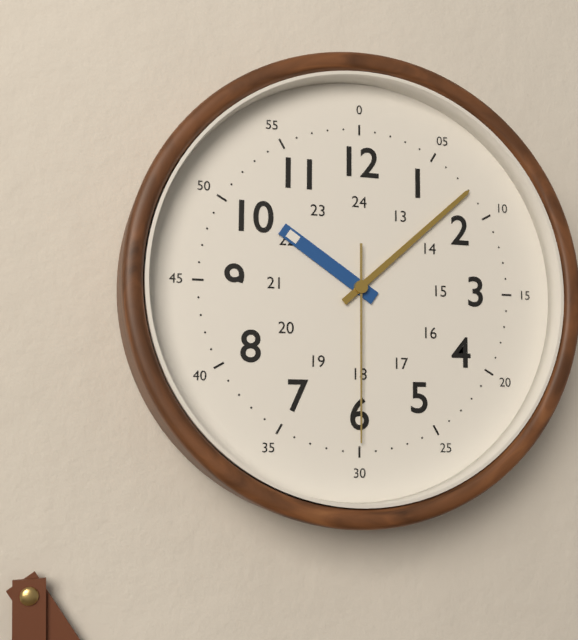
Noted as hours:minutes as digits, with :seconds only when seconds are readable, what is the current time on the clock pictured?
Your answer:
10:08:30
